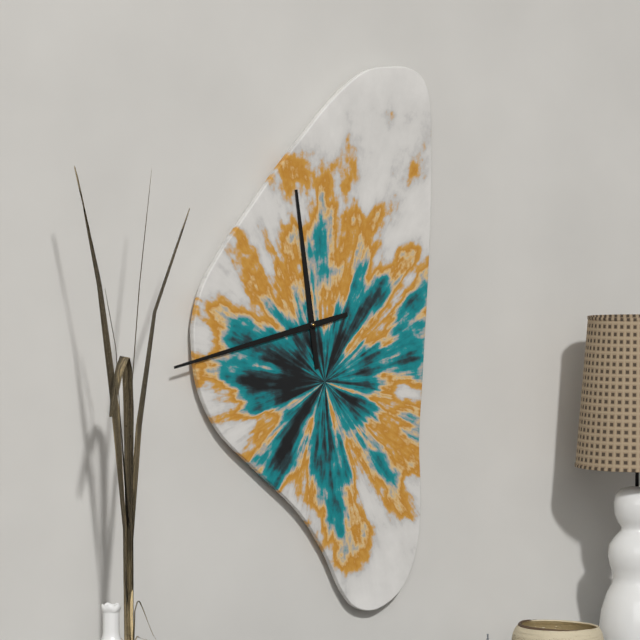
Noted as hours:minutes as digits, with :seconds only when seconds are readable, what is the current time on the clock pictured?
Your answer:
11:43
